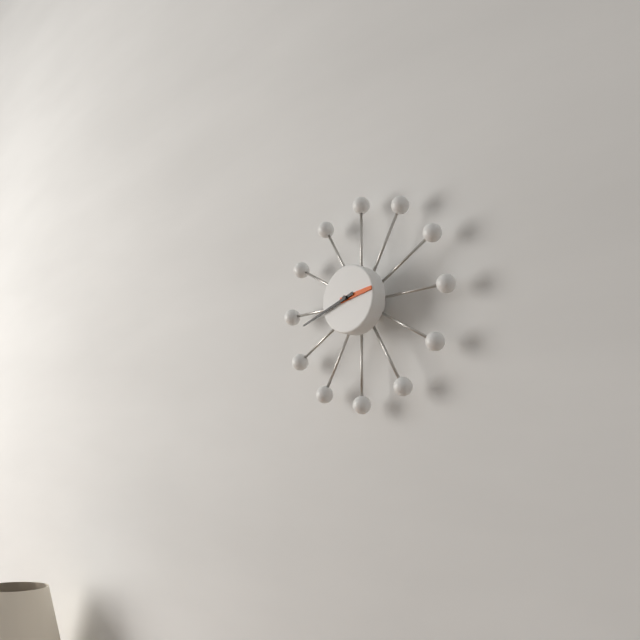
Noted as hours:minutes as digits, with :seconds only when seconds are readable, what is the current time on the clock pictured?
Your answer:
2:42
